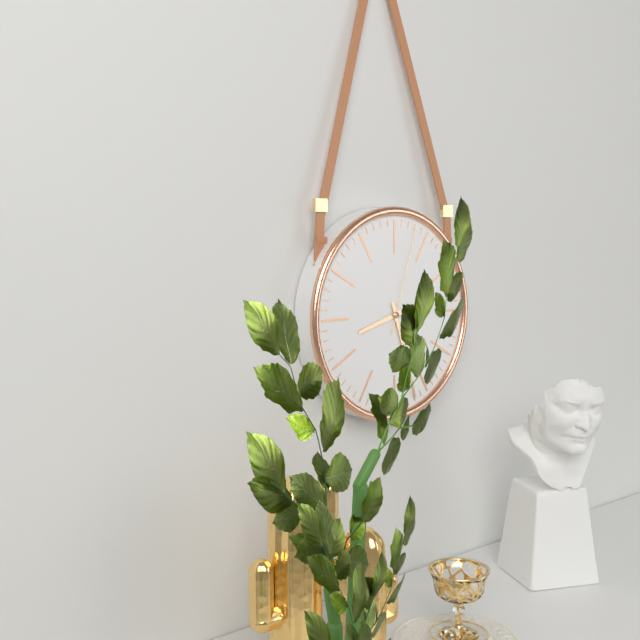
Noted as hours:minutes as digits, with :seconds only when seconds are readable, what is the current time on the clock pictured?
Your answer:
8:27:03
